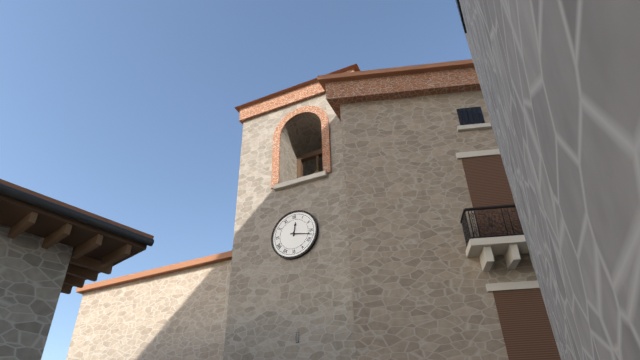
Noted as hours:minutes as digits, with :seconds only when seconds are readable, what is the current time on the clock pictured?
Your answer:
12:17
